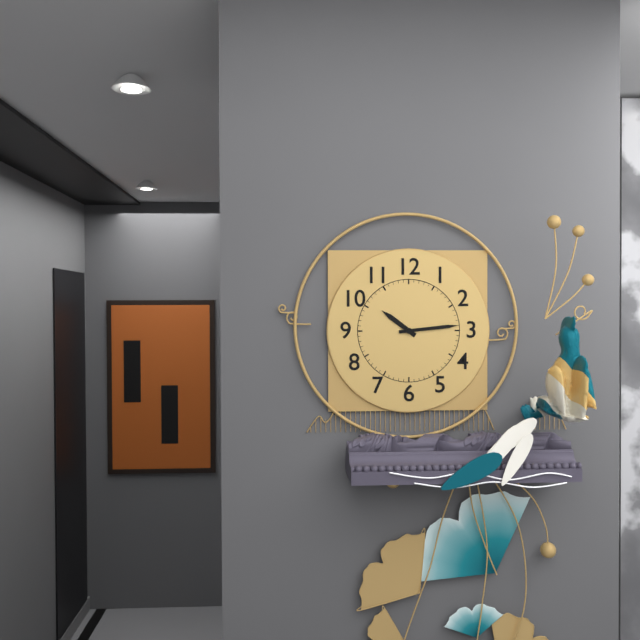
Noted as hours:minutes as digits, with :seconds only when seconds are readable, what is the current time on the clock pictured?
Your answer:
10:14
